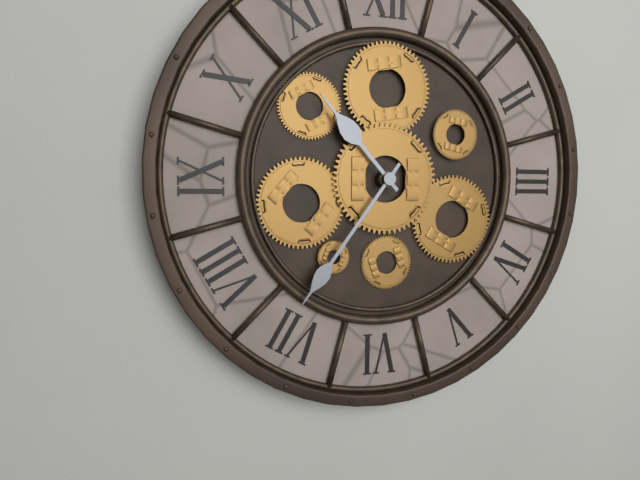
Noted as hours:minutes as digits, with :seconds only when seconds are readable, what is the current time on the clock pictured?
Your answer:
10:36
